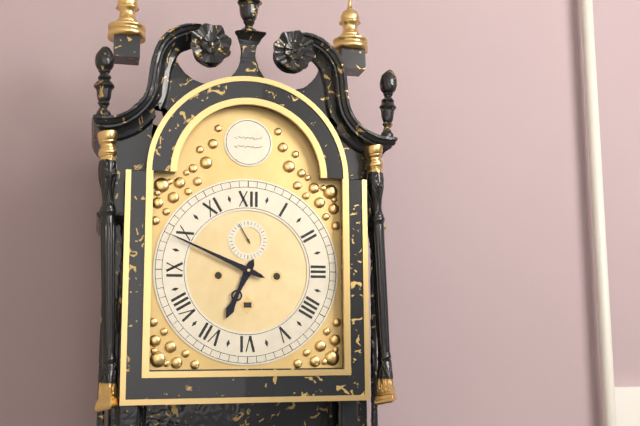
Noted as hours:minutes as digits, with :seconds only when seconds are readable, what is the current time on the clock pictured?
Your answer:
6:49
